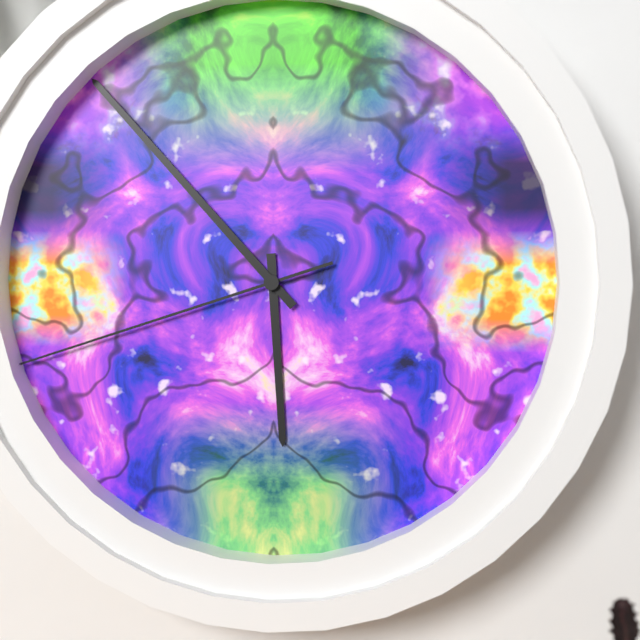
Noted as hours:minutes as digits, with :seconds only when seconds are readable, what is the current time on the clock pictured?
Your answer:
5:53:42
